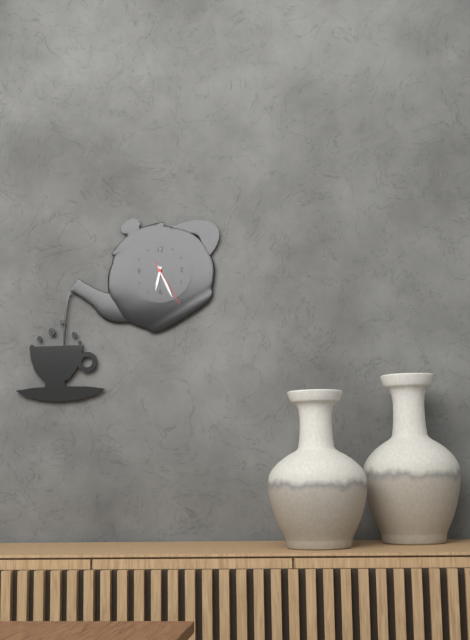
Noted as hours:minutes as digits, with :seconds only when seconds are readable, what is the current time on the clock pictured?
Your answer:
6:26:25
